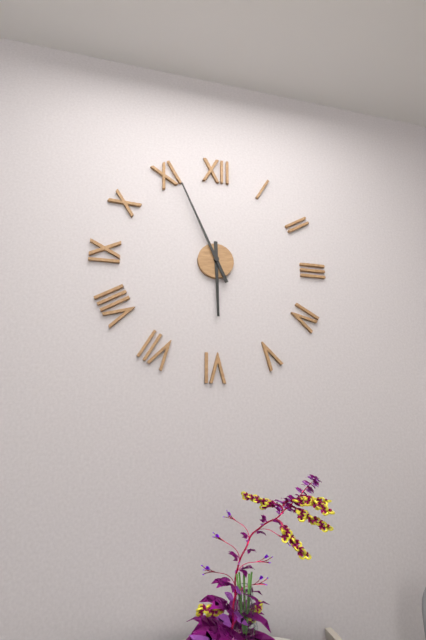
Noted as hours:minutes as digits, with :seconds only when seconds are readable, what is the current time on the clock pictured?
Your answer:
5:56
